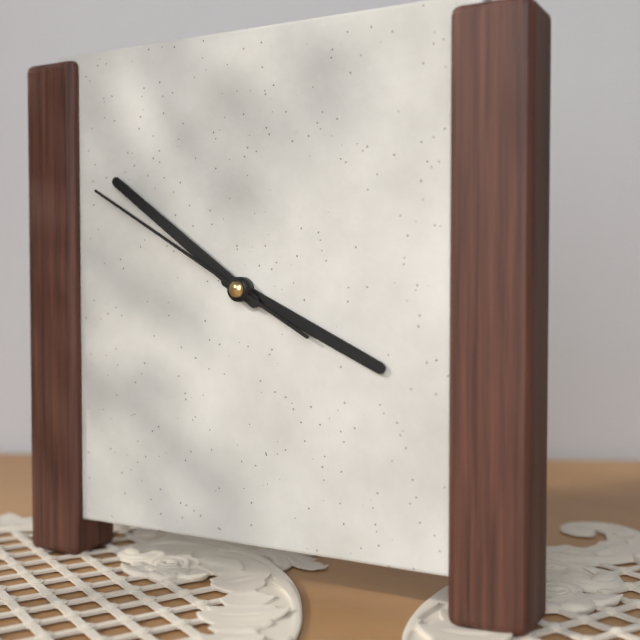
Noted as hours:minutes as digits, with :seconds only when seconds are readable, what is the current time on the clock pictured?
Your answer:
3:51:50
